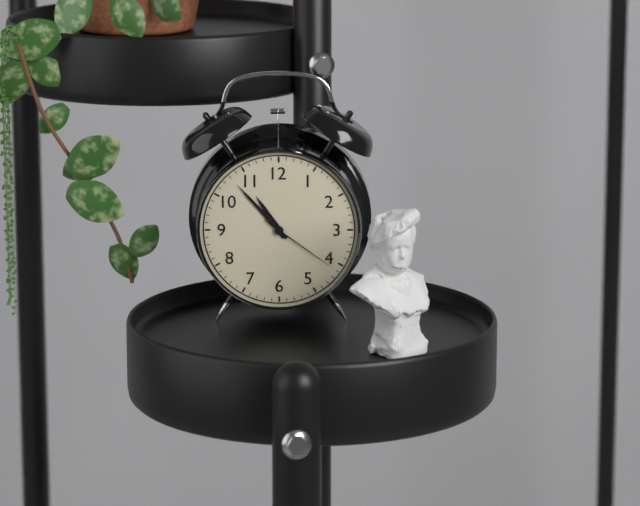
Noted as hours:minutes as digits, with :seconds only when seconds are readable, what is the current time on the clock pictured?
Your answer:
10:53:21
